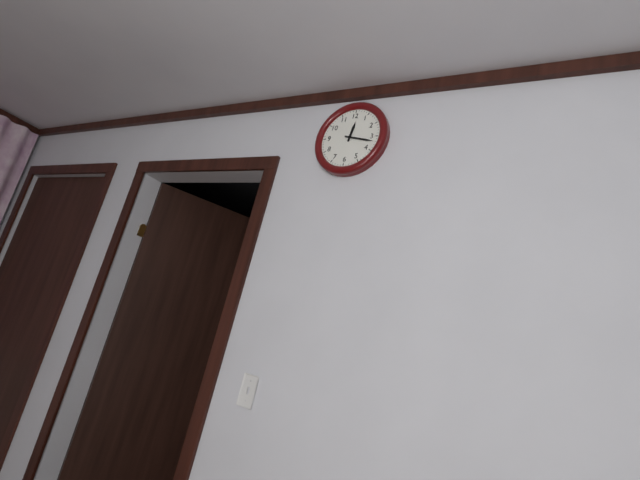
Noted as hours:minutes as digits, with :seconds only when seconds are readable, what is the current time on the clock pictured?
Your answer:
12:17
